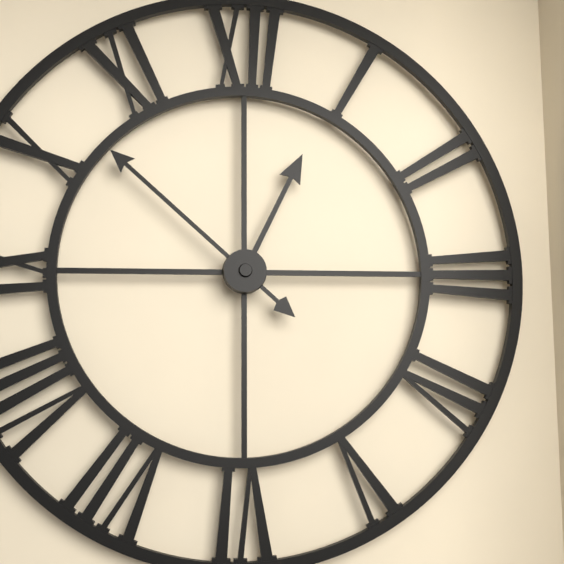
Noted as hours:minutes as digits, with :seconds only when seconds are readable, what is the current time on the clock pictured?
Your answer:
12:52
